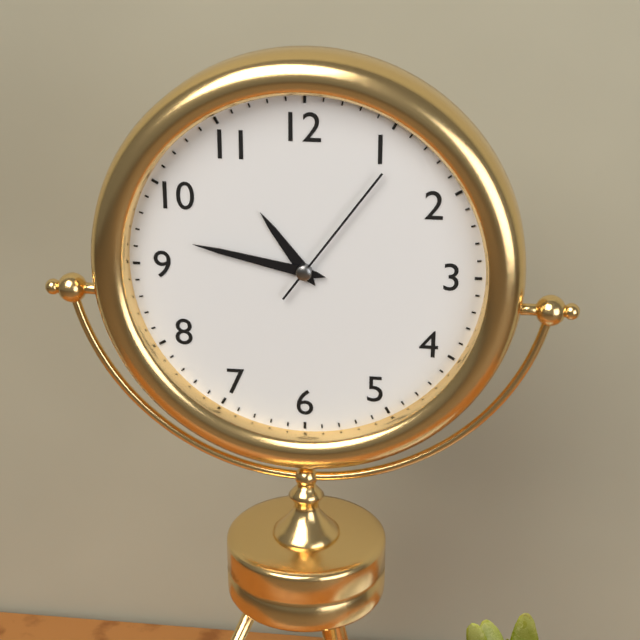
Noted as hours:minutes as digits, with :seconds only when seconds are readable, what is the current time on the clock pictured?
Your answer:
10:47:06
